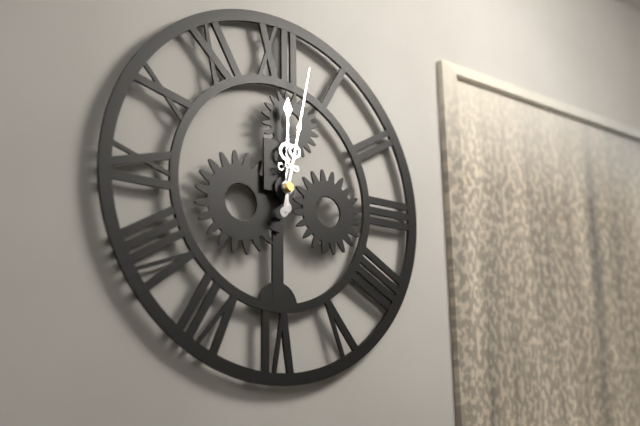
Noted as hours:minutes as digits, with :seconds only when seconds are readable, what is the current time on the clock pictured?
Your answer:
12:02
